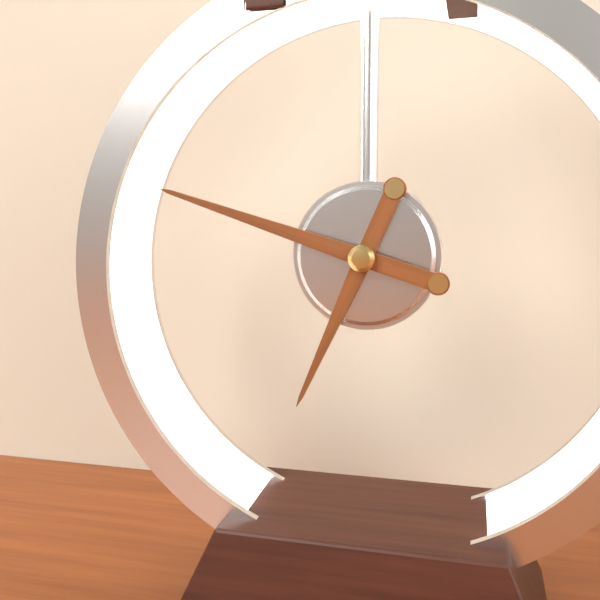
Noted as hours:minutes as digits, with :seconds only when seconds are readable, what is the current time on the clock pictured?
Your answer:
6:48
